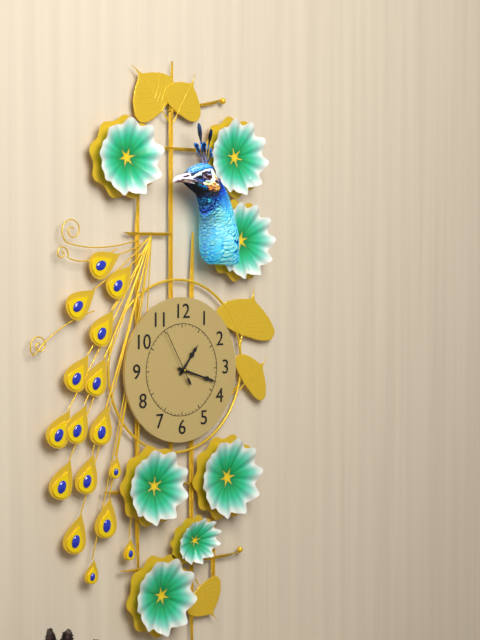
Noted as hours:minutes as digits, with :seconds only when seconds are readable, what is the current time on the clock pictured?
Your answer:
1:18:55
